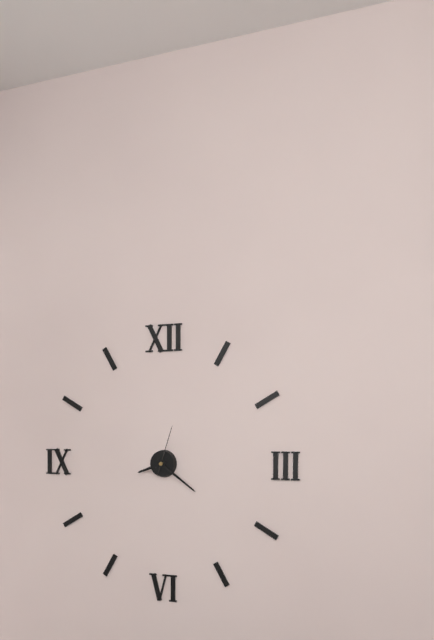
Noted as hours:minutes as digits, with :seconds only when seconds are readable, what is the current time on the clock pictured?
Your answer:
8:21
